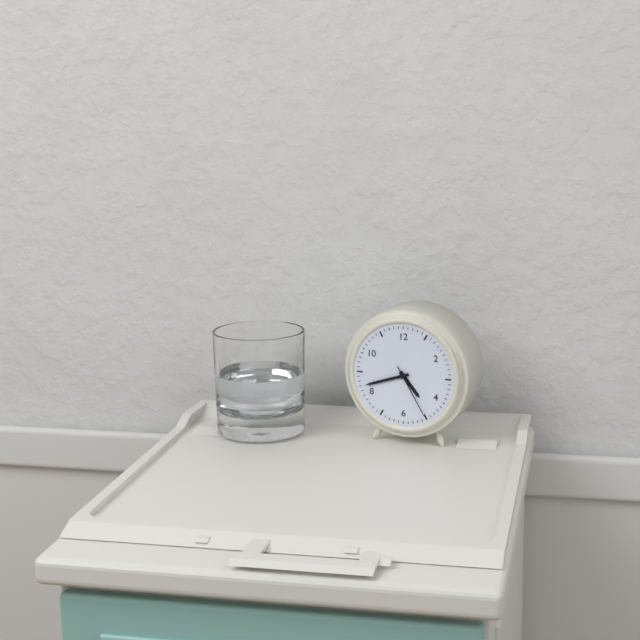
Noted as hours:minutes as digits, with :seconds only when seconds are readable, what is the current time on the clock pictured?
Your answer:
4:42:25
